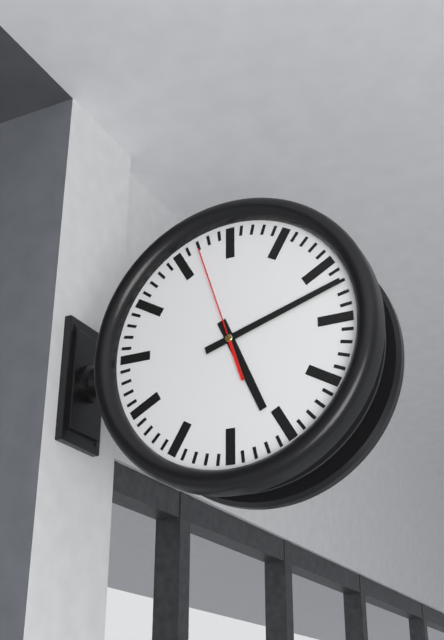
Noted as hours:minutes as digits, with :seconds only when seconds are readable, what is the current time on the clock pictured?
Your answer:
5:12:57
